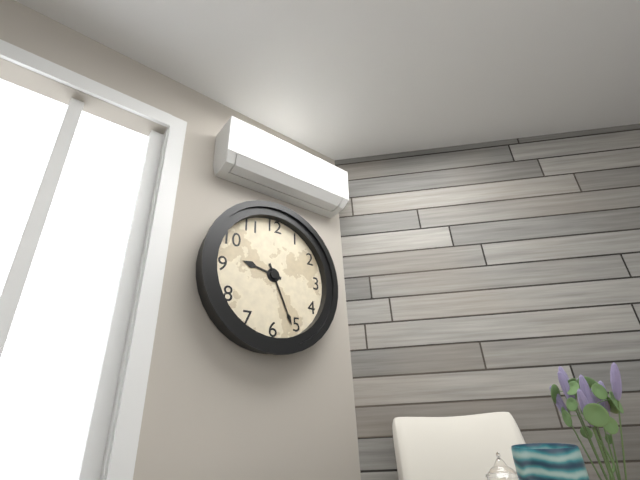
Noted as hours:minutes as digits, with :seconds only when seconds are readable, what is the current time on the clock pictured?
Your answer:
9:26
